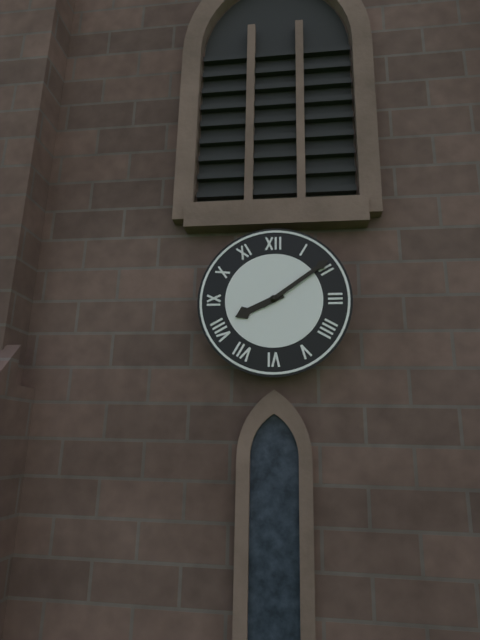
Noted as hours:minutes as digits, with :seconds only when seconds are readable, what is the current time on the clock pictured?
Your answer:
8:09
